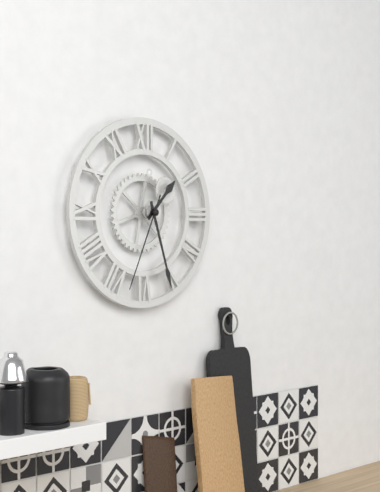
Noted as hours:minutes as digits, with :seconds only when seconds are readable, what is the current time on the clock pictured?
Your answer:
1:27:34
